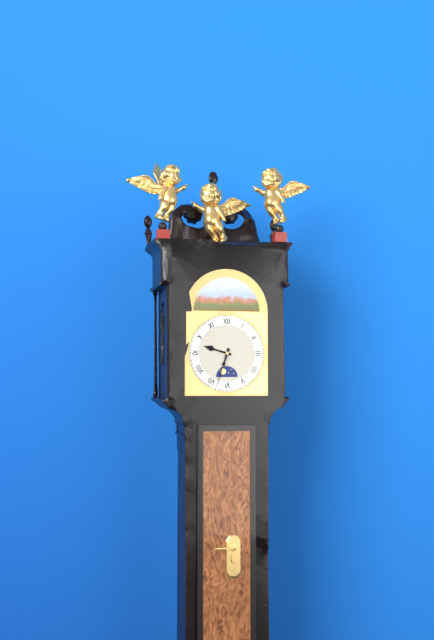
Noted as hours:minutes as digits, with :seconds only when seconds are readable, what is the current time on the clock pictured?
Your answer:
9:33
